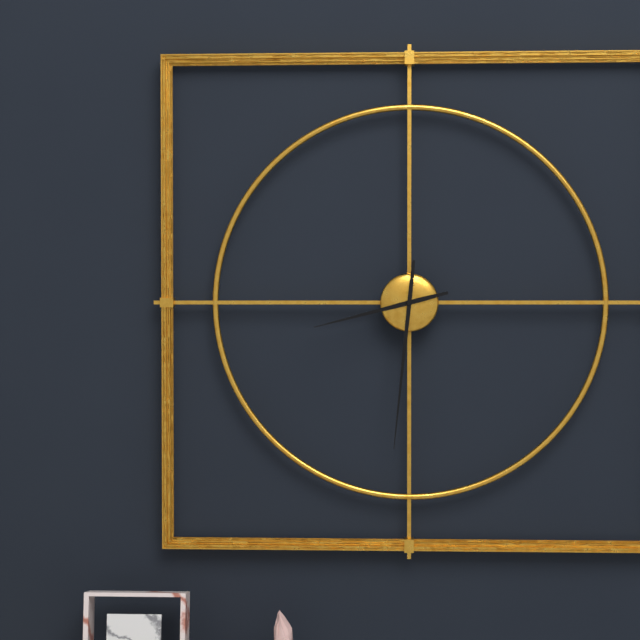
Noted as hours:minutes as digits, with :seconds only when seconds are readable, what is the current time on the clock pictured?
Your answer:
8:31
